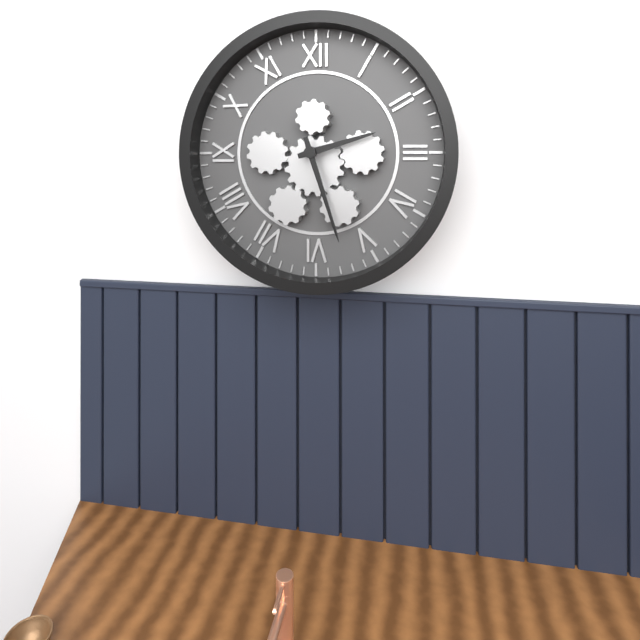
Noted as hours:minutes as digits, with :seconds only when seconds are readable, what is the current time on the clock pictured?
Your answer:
2:27
